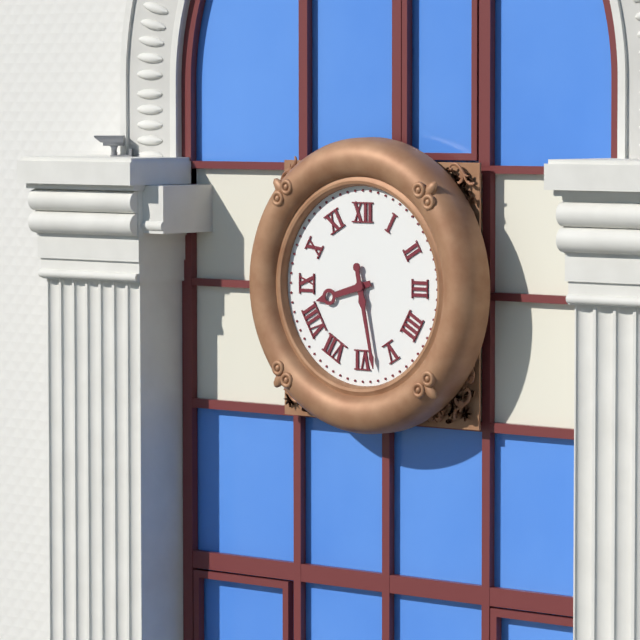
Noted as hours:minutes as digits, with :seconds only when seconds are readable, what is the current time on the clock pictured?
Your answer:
8:28
